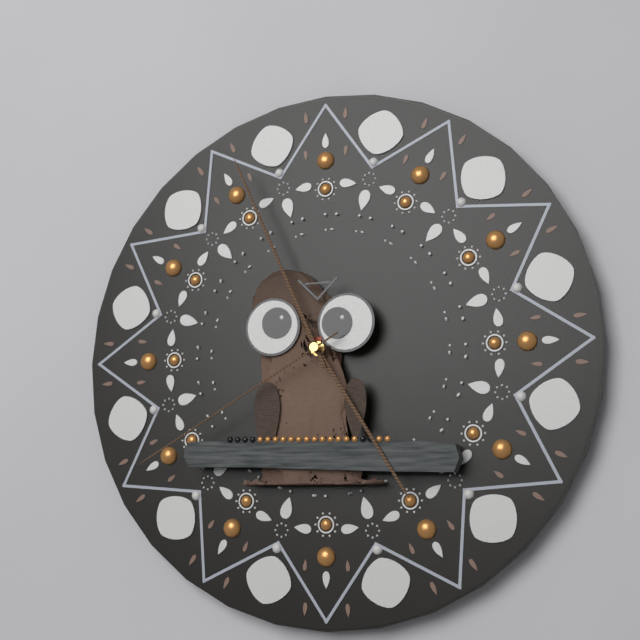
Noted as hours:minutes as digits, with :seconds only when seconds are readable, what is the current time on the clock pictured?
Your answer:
4:56:40
